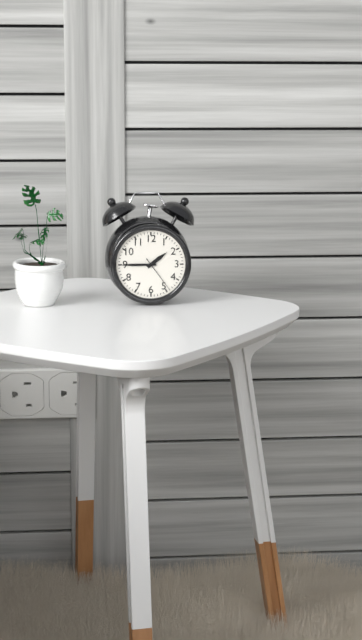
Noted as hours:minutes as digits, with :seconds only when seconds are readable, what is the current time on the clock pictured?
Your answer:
1:45
